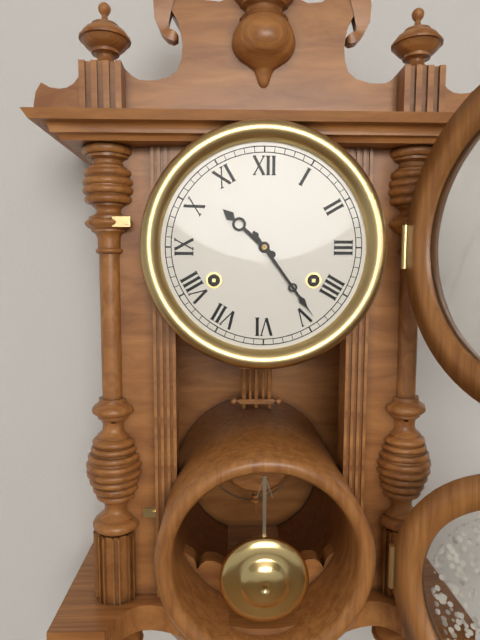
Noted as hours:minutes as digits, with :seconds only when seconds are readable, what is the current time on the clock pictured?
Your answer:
10:24
